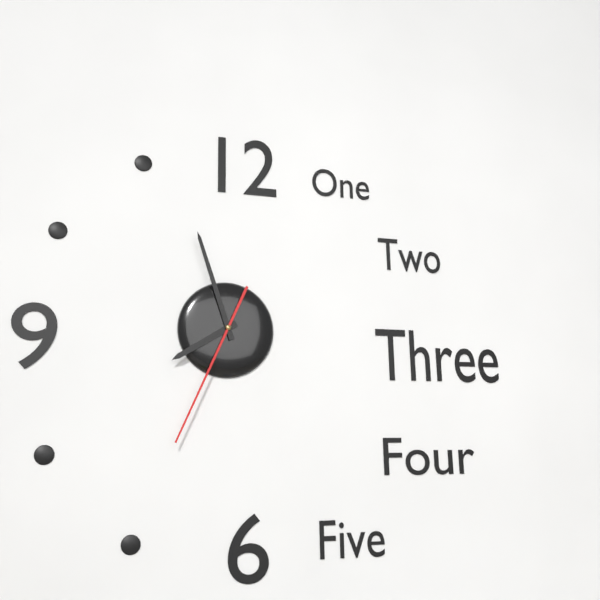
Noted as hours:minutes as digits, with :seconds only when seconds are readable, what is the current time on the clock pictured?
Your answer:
7:57:34
